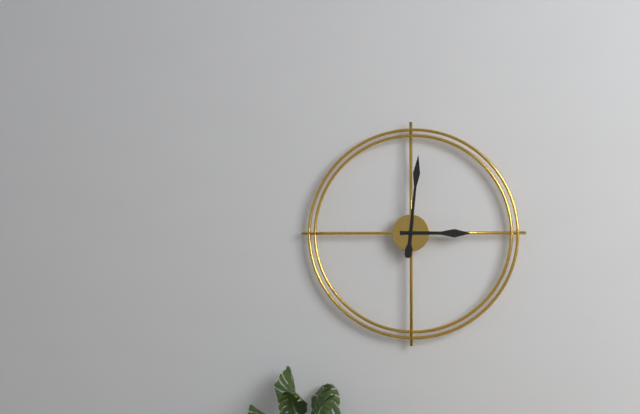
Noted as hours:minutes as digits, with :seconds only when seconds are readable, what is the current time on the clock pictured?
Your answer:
3:01
